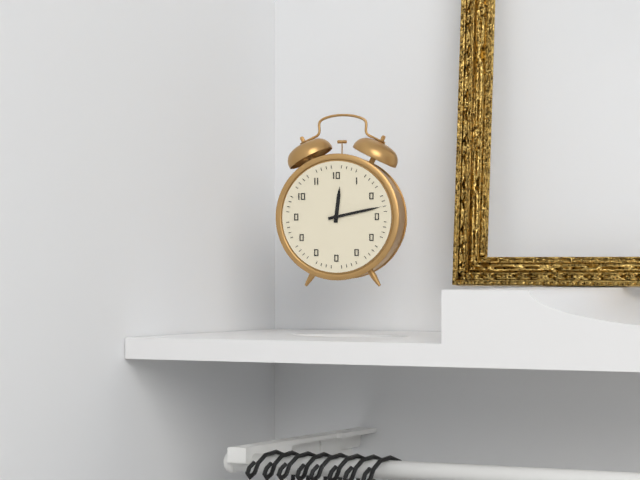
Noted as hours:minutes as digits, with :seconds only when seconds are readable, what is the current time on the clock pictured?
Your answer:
12:13
